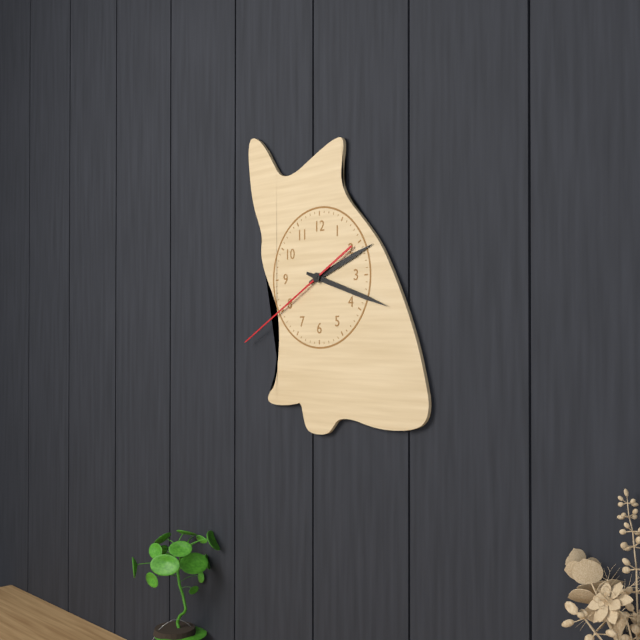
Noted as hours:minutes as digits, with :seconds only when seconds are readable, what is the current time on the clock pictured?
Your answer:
2:18:40
